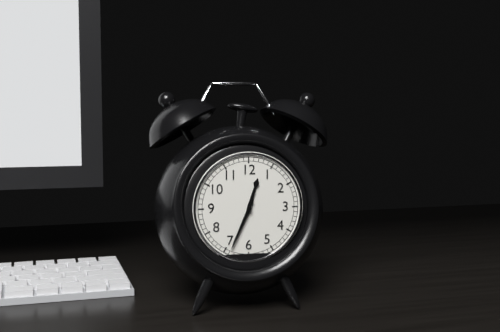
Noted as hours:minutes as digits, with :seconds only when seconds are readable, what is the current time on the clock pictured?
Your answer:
12:34
